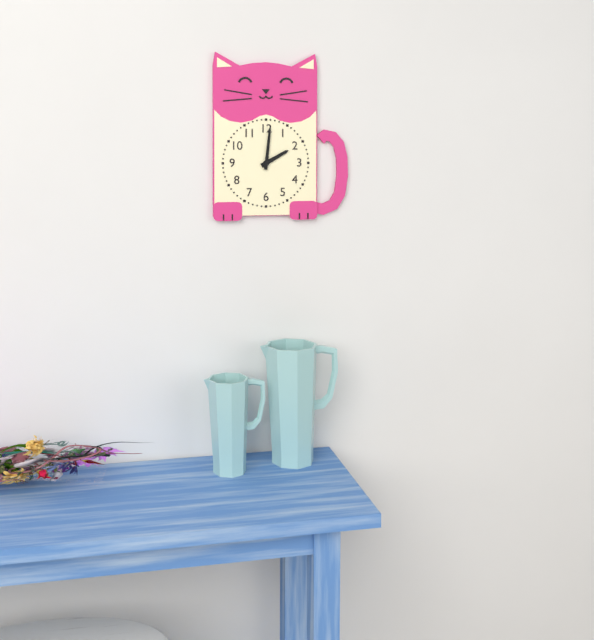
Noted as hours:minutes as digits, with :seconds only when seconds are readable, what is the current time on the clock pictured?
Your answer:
2:01
